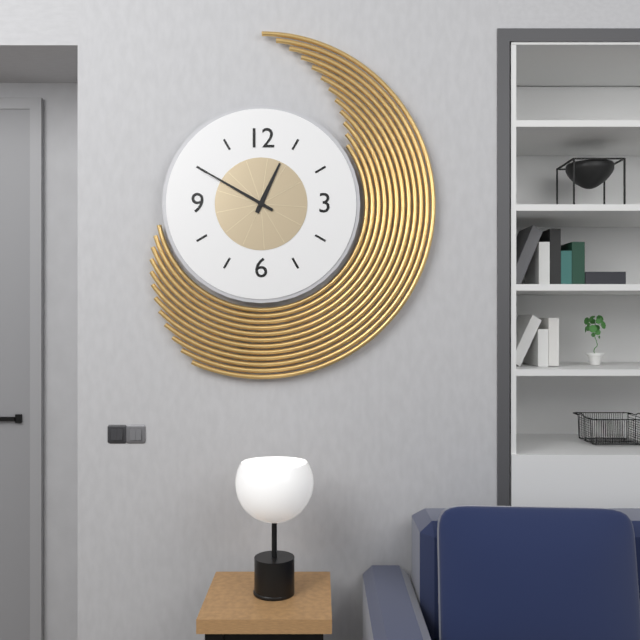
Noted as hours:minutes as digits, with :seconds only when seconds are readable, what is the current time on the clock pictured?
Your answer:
12:50
